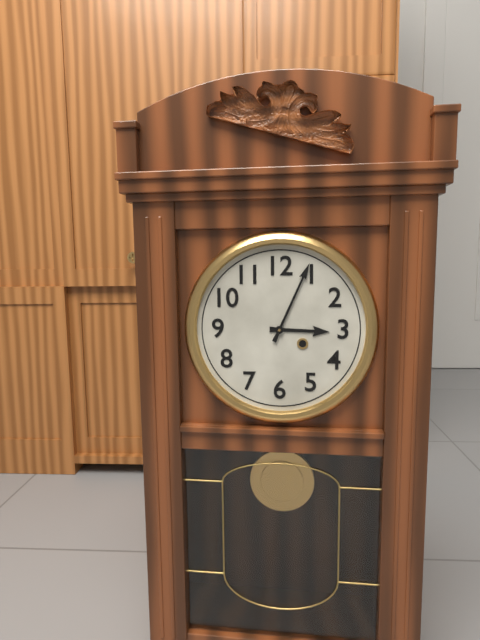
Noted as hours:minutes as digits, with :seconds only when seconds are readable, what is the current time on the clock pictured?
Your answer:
3:04
